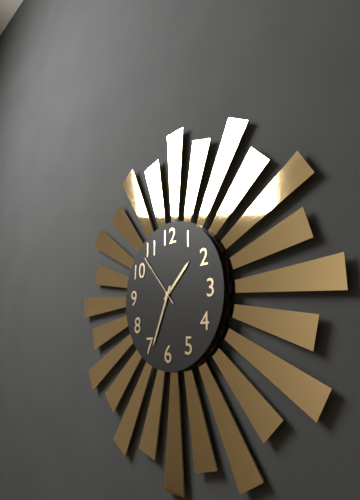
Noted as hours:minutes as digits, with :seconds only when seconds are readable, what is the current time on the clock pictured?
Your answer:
1:34:53
